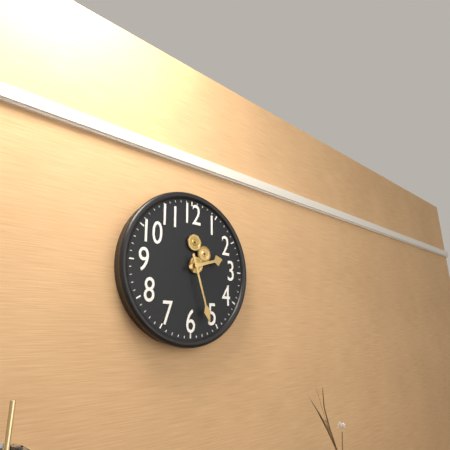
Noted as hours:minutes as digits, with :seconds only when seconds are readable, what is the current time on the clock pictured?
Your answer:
2:27
